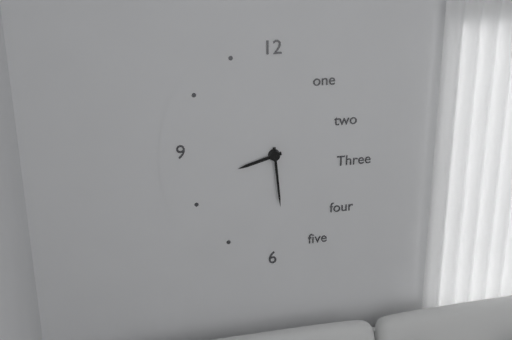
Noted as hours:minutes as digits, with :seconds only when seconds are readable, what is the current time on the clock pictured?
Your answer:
8:29
